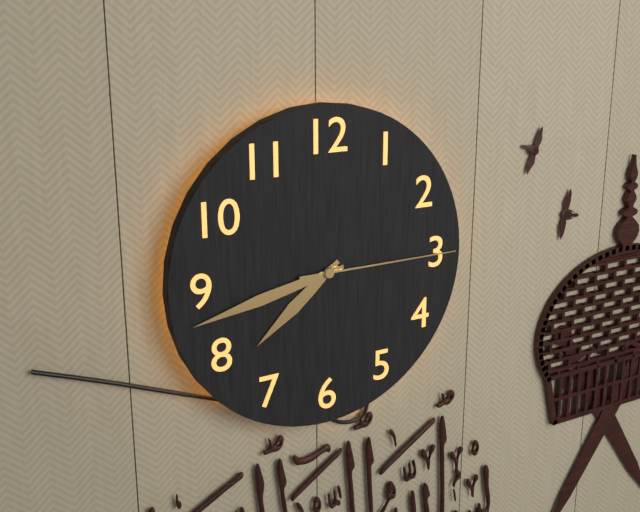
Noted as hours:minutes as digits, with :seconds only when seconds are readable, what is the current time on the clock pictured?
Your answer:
7:43:15
